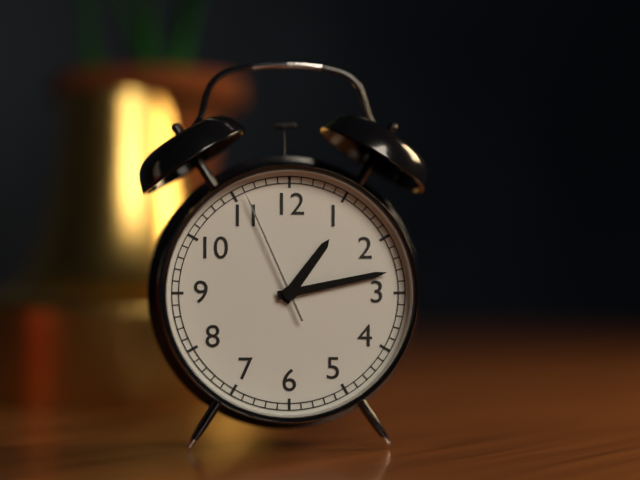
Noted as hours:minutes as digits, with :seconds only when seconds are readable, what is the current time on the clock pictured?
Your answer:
1:13:56
